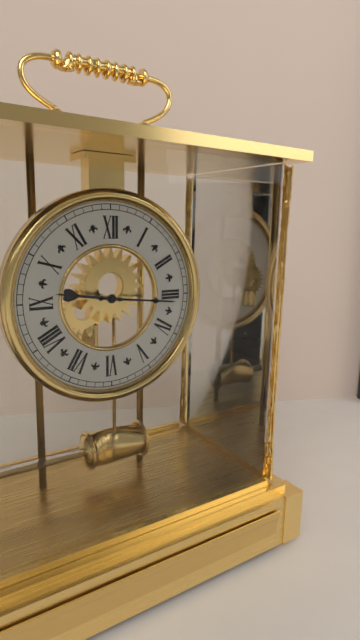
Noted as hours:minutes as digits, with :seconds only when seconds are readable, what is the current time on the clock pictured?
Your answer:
9:16
